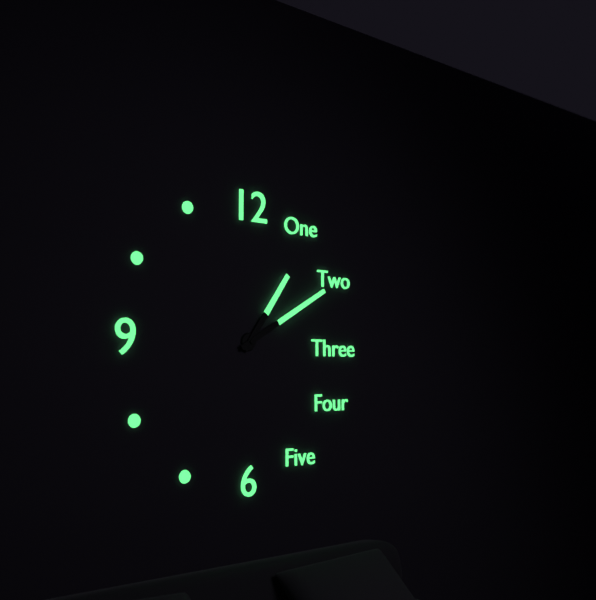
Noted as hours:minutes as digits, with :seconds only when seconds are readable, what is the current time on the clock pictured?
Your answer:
1:10
